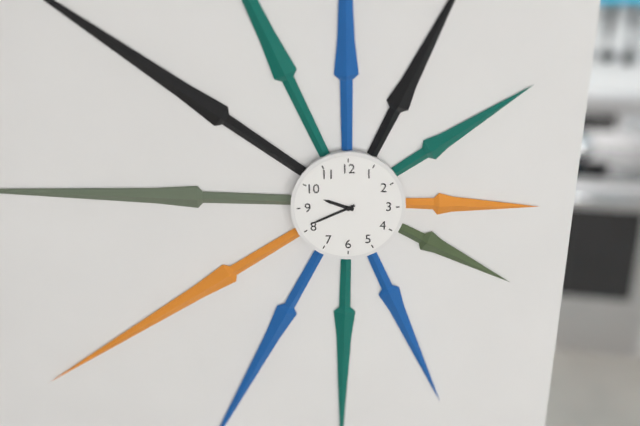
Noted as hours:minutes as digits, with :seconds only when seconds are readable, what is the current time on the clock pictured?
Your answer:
9:41
